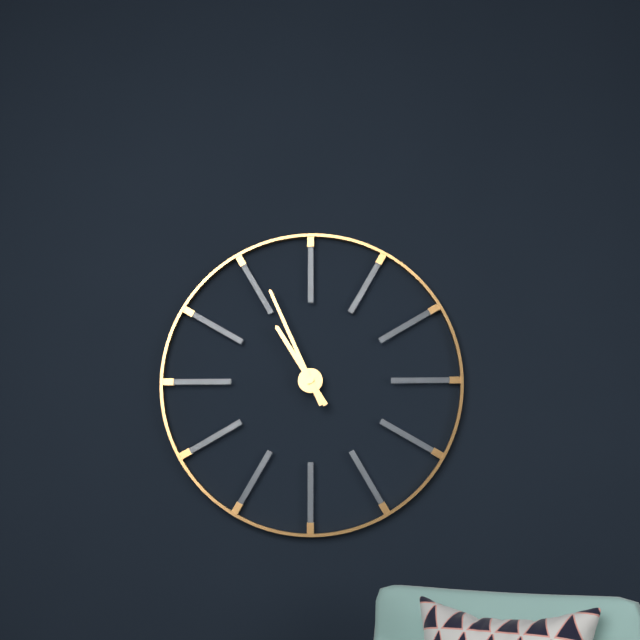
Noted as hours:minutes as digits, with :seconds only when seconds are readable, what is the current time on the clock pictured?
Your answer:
10:56
